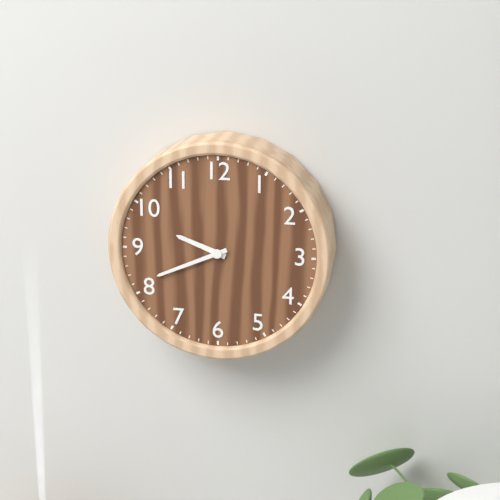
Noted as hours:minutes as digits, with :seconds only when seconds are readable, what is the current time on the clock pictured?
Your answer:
9:41
